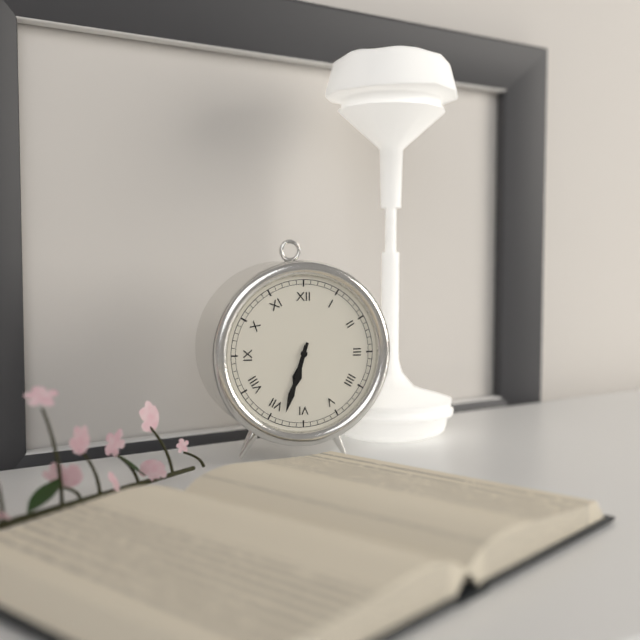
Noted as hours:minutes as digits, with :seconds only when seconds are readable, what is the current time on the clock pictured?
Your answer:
6:33
